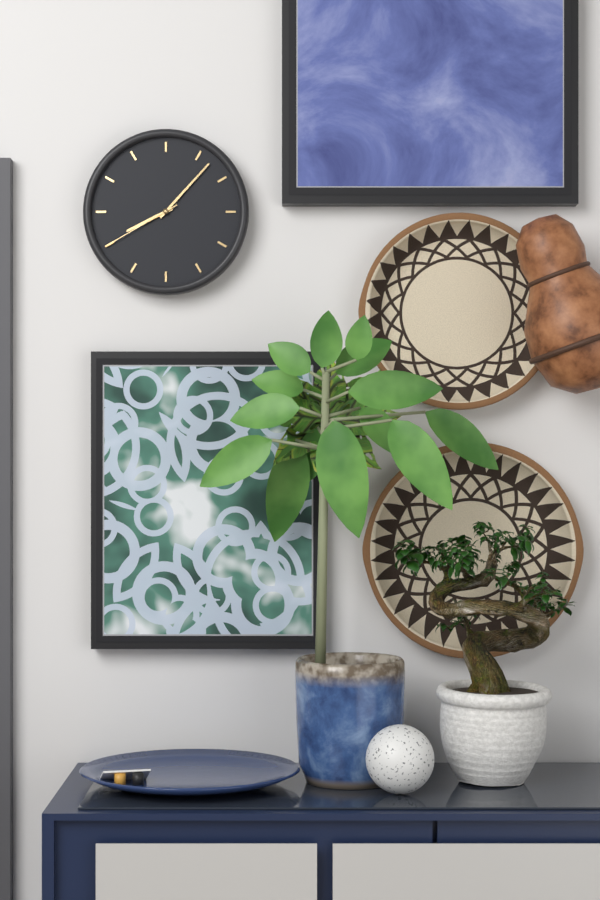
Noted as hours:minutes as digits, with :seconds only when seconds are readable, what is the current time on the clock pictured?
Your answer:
8:07:40
